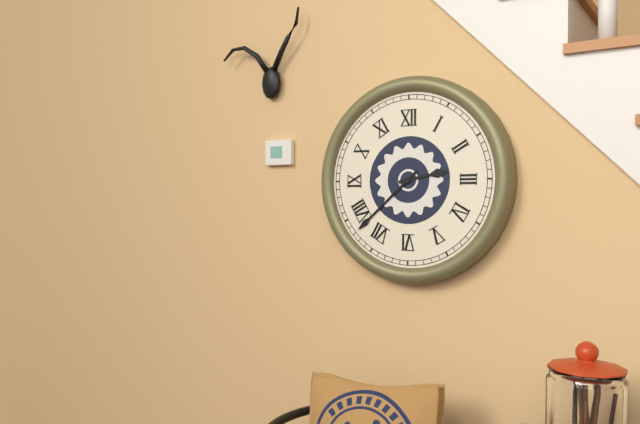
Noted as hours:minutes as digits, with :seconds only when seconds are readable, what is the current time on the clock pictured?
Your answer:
2:38
